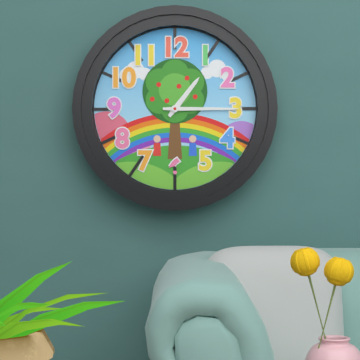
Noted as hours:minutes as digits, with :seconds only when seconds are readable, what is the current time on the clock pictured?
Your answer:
1:15
